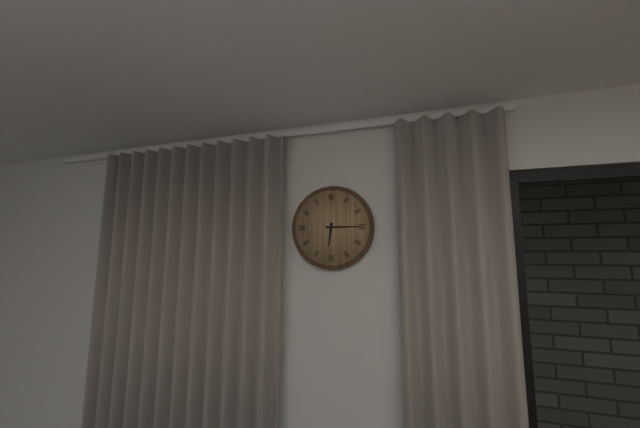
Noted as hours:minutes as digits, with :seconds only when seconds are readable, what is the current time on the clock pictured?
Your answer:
6:15
